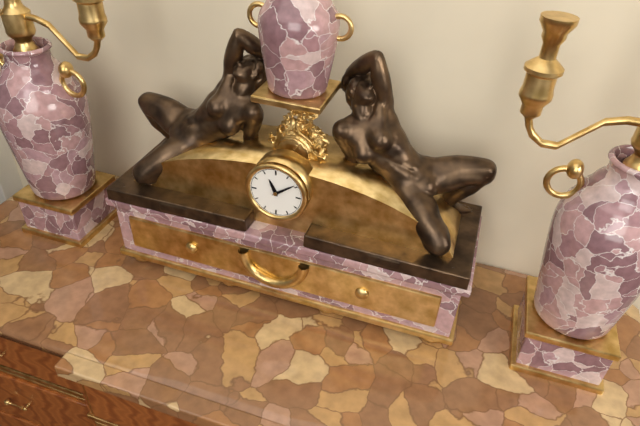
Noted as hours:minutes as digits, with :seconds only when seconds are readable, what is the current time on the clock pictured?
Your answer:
11:09
